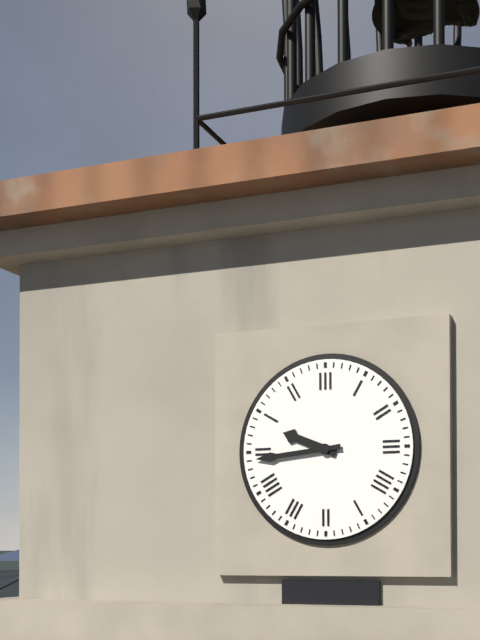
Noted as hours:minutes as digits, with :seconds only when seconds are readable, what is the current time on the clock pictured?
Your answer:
9:44
